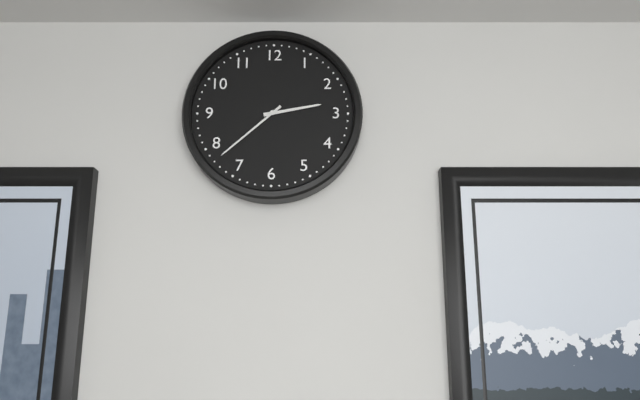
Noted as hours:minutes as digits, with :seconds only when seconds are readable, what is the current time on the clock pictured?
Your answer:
2:38
